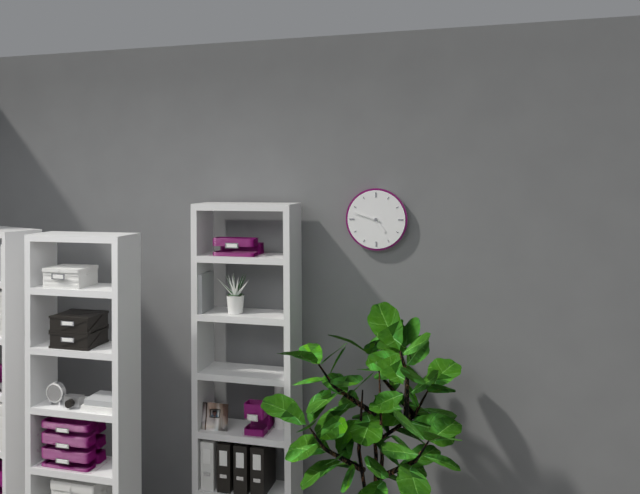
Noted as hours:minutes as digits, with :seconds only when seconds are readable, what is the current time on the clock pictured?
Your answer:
4:48
